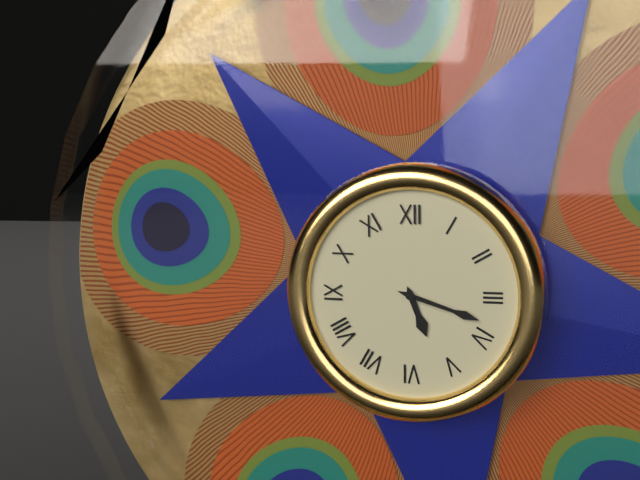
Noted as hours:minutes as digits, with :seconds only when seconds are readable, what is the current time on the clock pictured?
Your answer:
5:18
